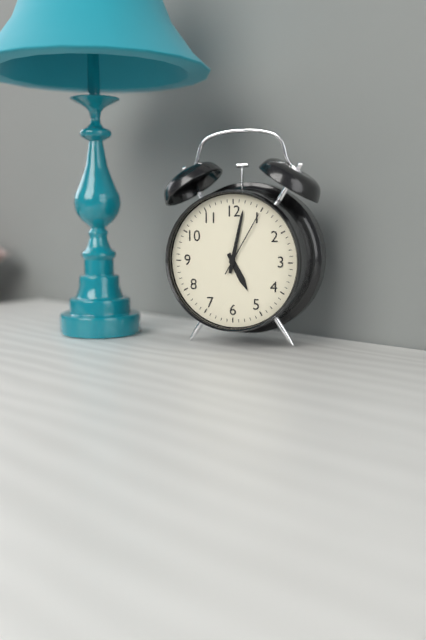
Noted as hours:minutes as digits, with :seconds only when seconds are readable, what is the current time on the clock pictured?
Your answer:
5:02:05
